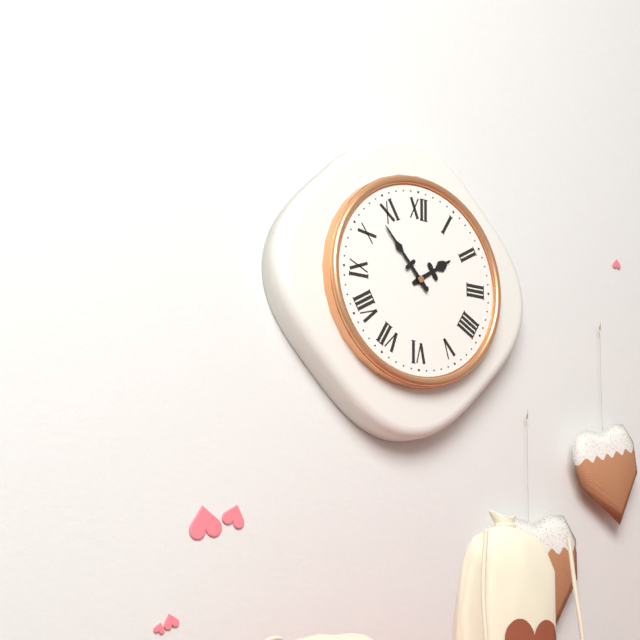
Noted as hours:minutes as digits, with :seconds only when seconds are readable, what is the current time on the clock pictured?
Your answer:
1:53
